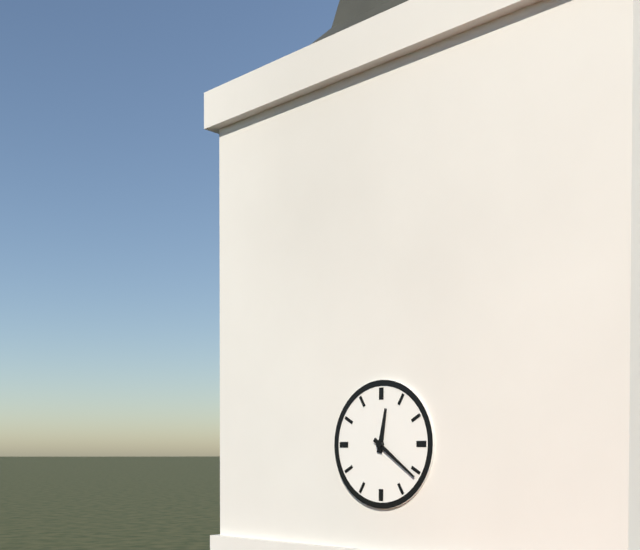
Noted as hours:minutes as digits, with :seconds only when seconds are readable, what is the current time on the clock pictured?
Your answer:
12:21
